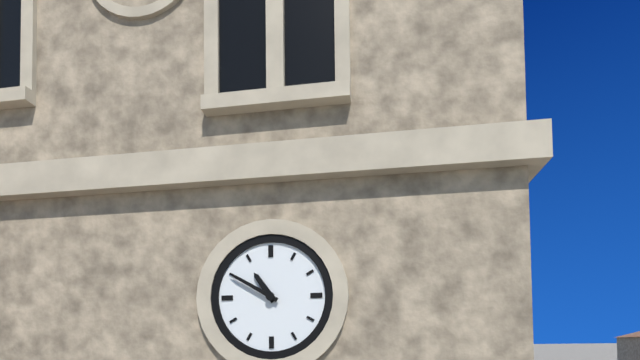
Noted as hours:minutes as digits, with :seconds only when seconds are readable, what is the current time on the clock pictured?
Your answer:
10:50
